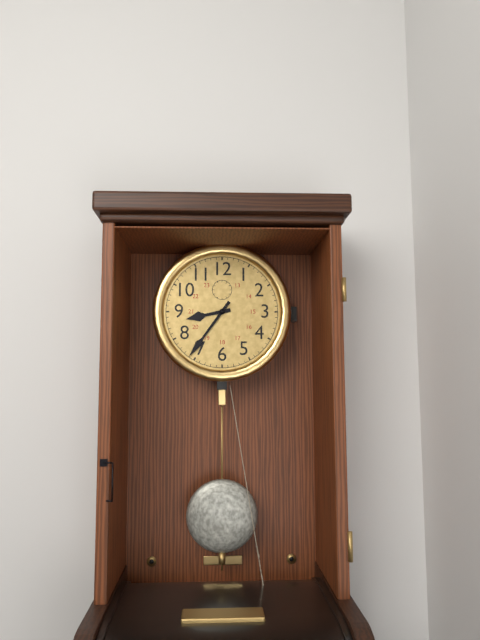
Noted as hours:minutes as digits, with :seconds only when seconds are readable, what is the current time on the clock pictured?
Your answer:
8:36
